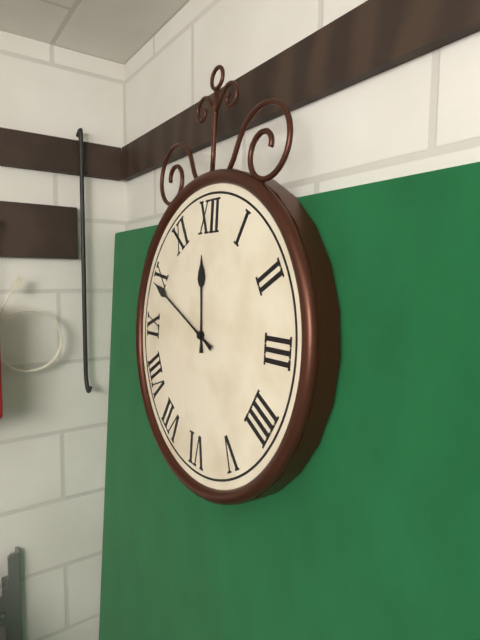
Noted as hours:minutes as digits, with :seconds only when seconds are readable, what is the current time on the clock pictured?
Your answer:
11:49
